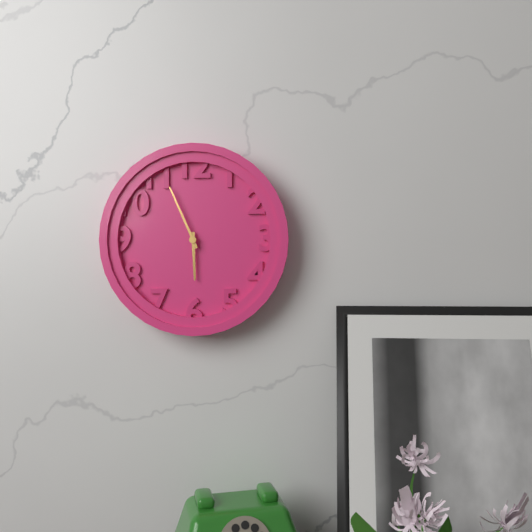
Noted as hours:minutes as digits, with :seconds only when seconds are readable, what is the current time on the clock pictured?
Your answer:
5:56
